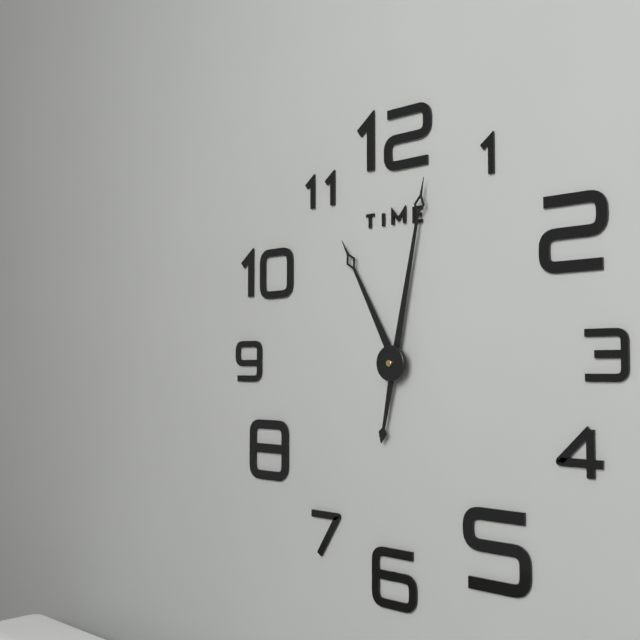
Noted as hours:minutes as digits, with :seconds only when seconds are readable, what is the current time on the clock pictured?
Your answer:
11:02
